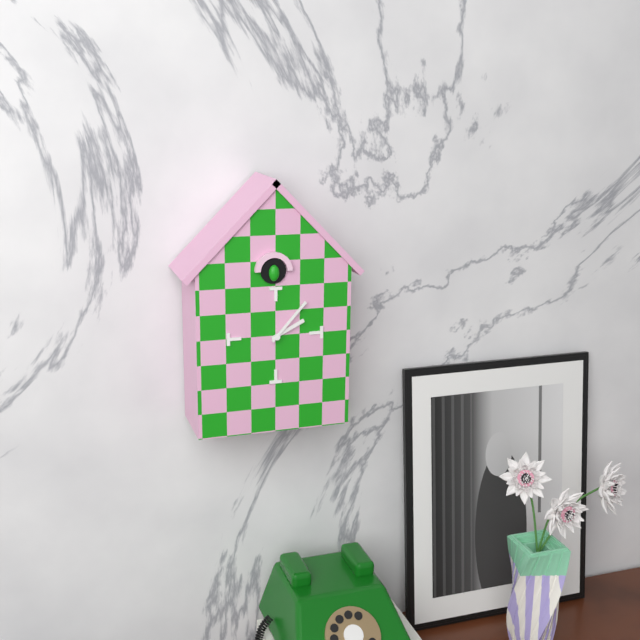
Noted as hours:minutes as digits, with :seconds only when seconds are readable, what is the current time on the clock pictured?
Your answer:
2:07
